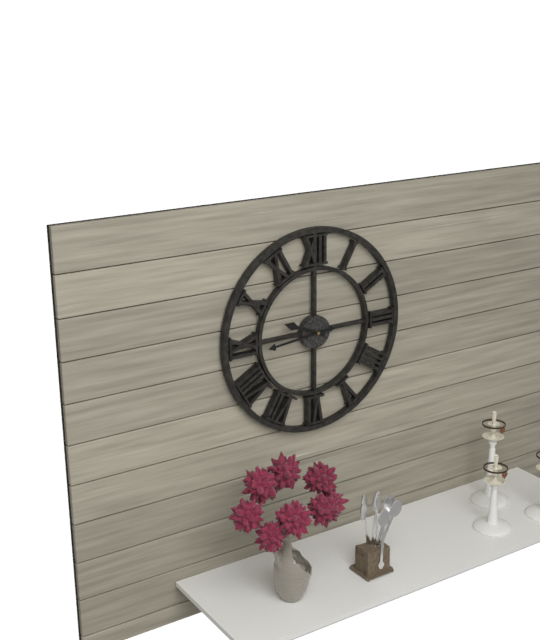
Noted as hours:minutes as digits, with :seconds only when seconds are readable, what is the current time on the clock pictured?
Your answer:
9:44
